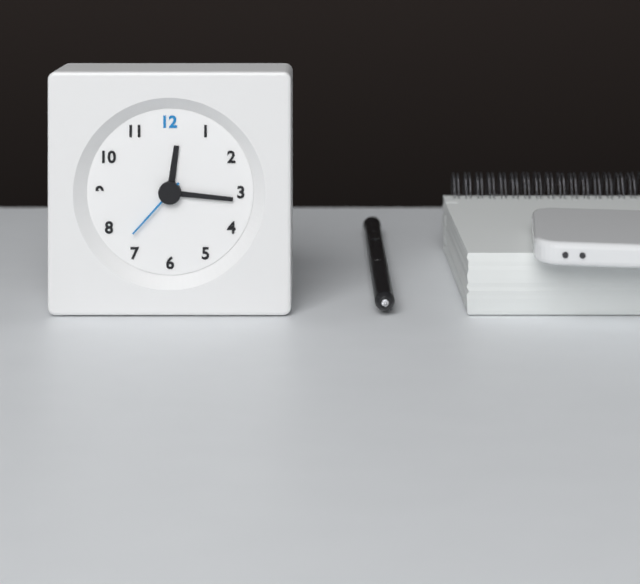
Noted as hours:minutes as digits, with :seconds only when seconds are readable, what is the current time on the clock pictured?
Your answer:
12:16:37
